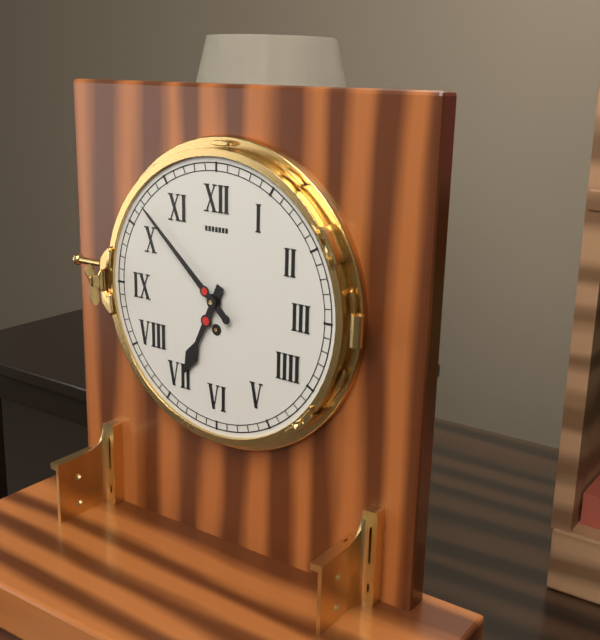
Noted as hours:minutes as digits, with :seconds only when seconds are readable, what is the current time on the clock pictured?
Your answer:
6:52
